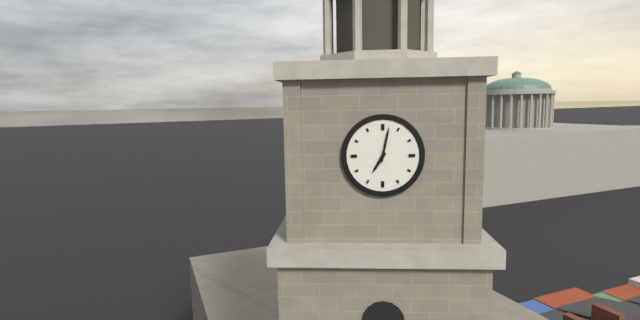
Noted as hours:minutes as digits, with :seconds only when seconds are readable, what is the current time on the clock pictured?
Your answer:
7:02
